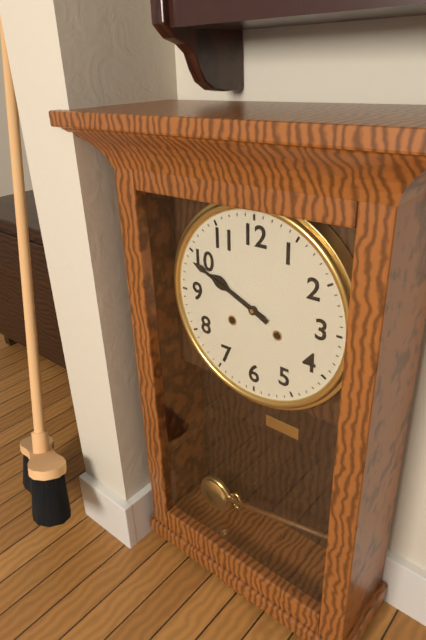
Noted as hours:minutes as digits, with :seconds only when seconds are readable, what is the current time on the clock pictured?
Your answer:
9:49
